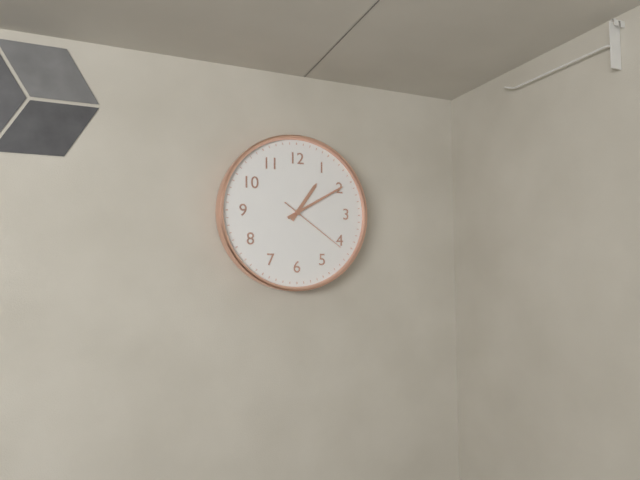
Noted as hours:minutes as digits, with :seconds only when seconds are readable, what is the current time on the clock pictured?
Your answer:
1:10:21
